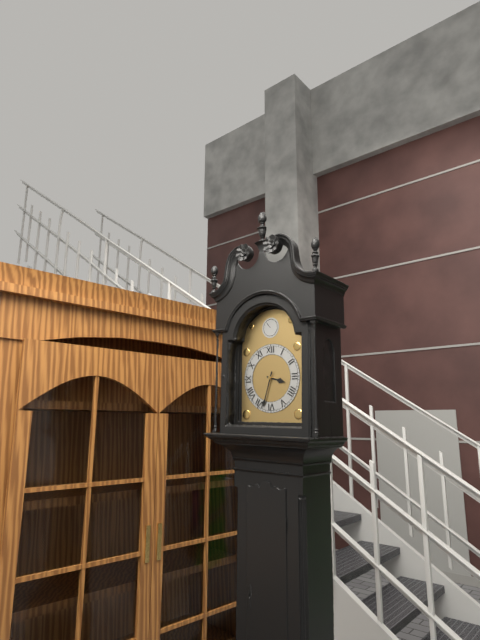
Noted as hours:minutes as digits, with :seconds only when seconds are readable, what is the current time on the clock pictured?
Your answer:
3:33
